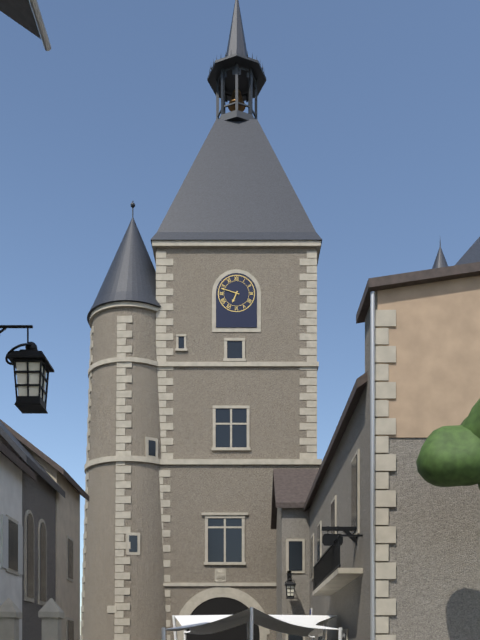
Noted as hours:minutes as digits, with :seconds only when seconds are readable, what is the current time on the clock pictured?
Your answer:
6:48
